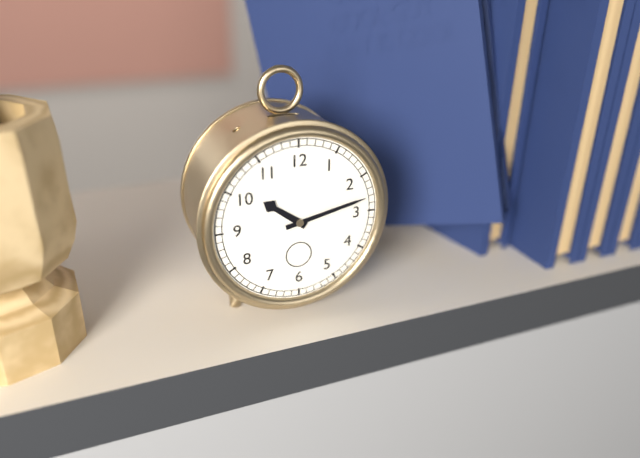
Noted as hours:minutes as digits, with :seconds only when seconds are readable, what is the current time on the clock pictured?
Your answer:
10:13
